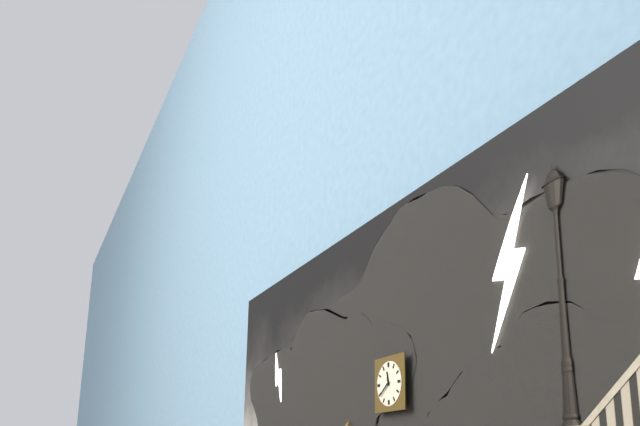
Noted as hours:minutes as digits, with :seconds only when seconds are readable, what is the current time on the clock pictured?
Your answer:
11:39
